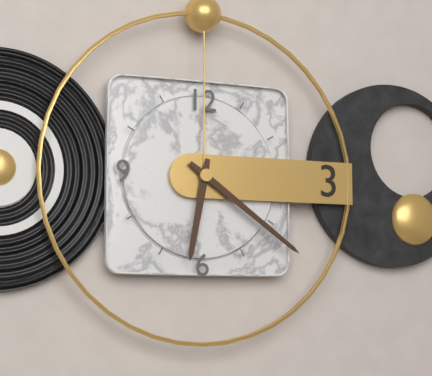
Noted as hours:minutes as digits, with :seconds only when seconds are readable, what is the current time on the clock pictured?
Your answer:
6:21
